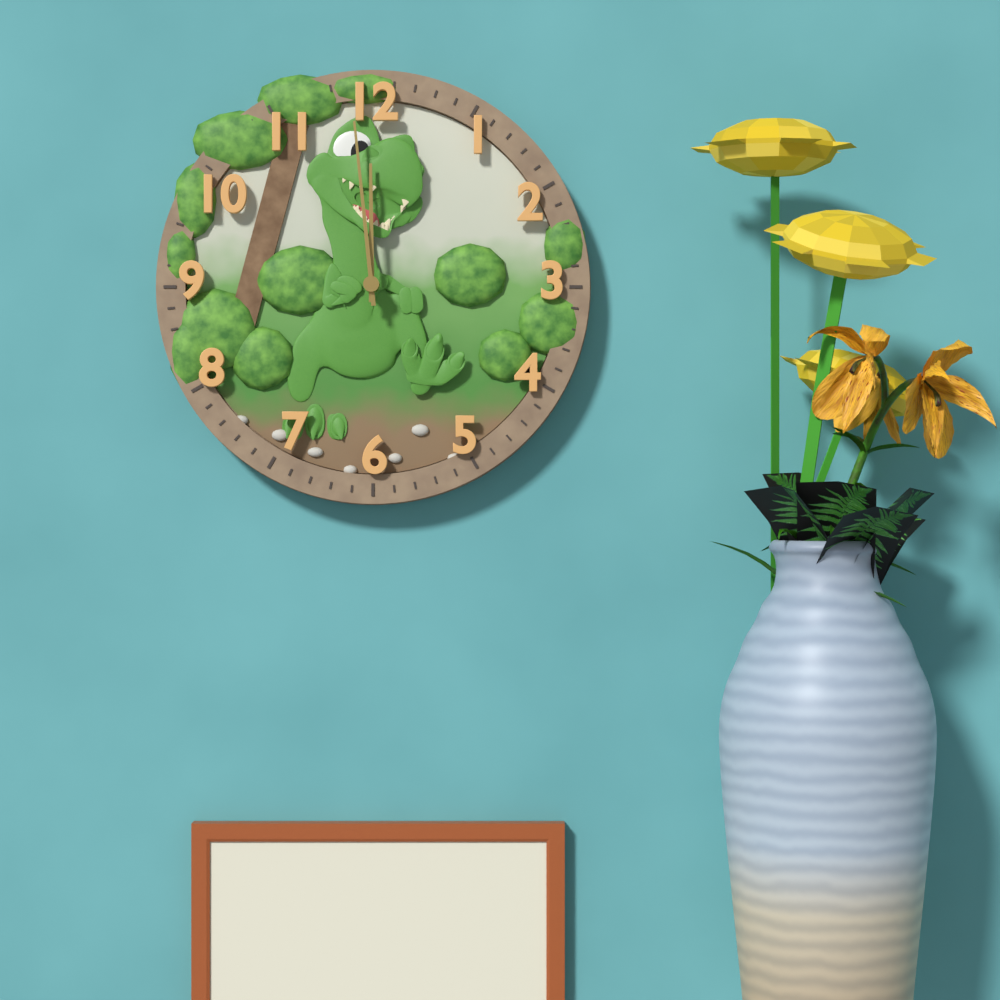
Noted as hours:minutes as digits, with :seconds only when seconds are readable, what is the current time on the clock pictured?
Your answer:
11:59
